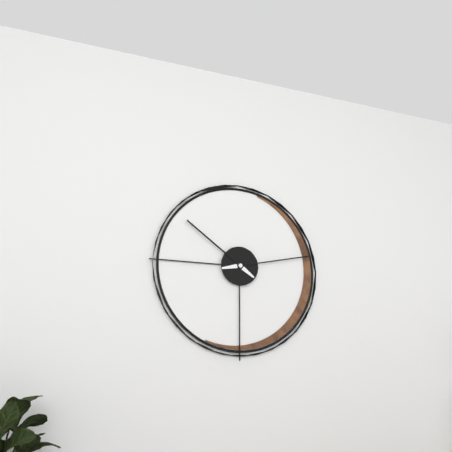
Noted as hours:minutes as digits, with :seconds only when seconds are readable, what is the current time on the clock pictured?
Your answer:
10:13
